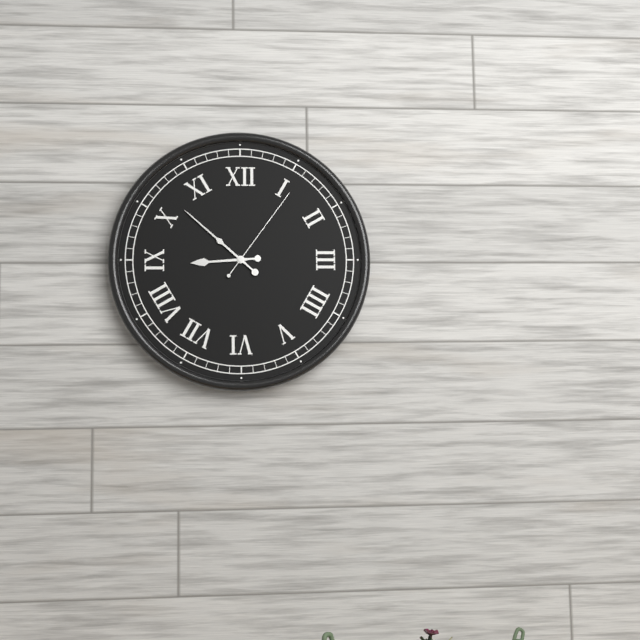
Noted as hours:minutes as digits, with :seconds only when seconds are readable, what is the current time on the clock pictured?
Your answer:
8:52:06
